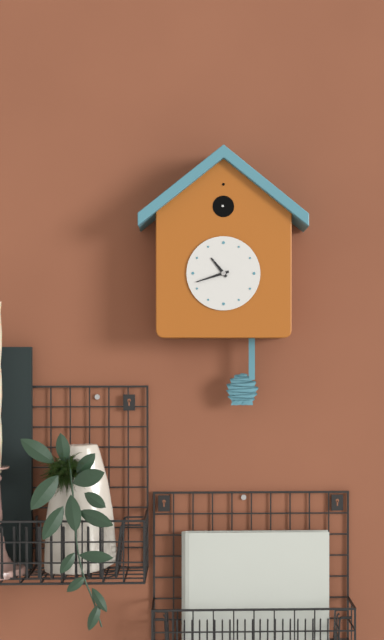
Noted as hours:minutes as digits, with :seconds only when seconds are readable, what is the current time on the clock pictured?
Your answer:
10:42
